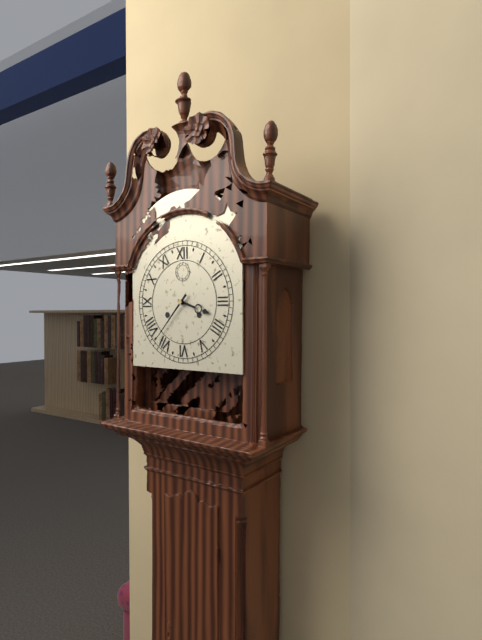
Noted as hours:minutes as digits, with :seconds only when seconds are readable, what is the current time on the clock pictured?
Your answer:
3:37
